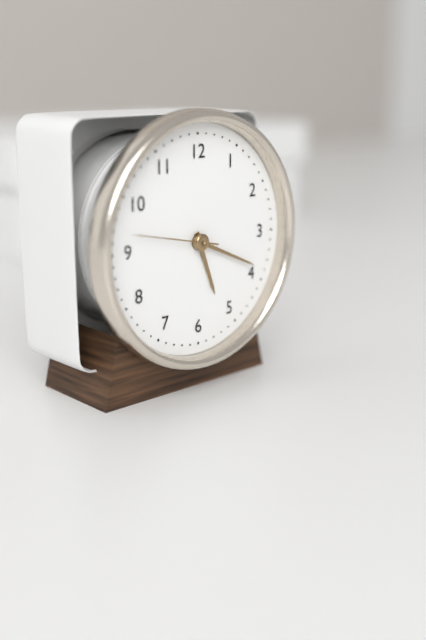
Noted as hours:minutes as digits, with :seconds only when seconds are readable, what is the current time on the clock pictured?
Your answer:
5:19:47
